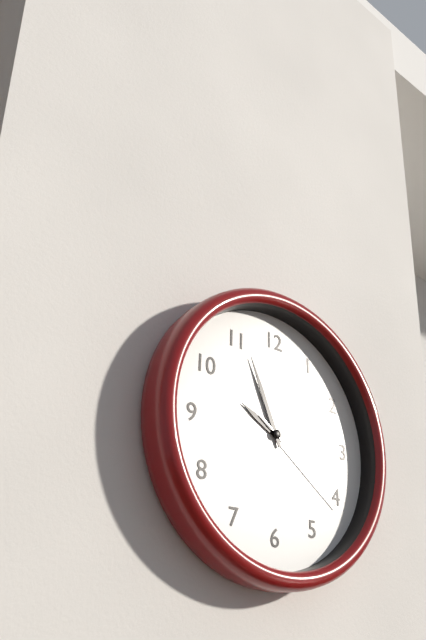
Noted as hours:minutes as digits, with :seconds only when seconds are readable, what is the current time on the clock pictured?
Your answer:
9:56:21
